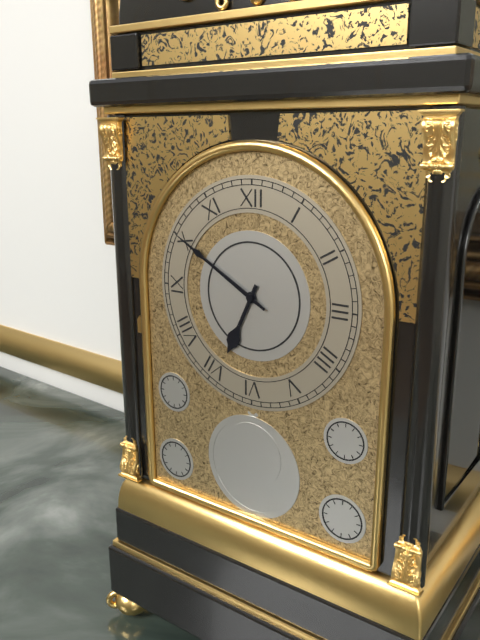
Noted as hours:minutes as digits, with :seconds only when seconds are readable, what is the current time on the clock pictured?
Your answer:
6:50
